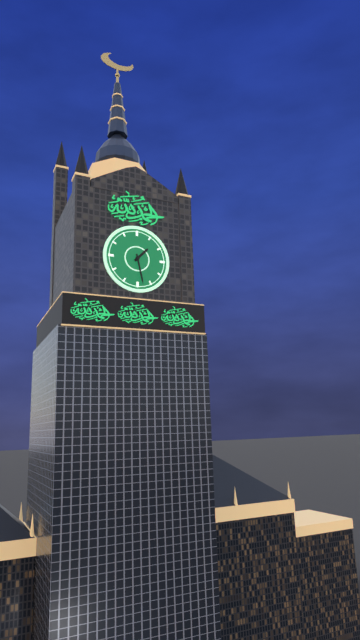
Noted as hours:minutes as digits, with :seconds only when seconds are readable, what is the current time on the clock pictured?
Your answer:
1:28
